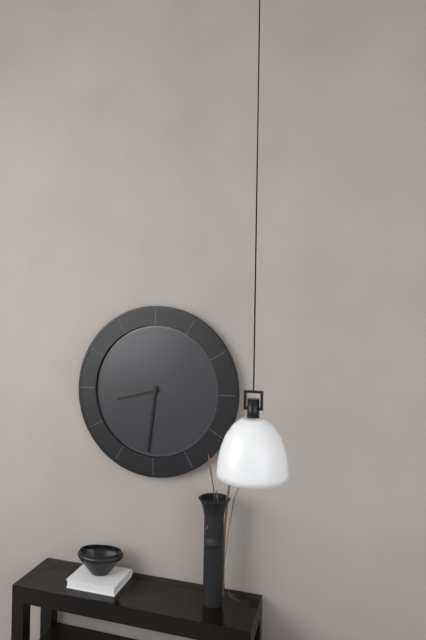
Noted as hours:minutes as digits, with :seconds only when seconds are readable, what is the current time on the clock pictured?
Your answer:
8:31
